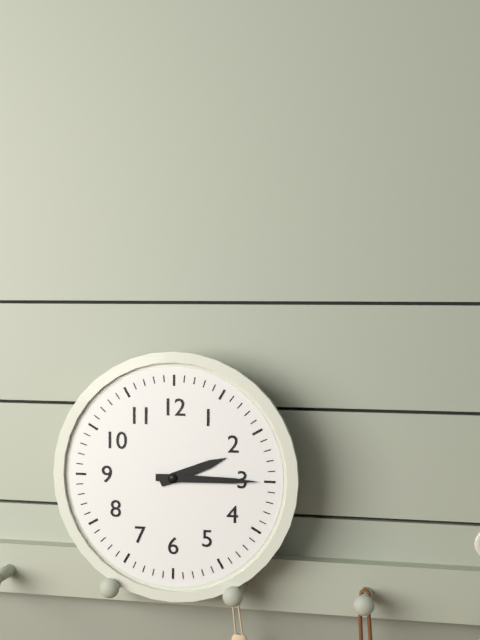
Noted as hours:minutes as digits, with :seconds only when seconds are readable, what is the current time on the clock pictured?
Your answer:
2:15
